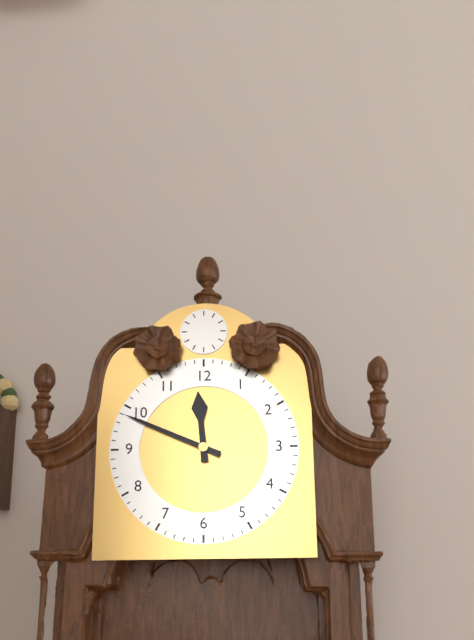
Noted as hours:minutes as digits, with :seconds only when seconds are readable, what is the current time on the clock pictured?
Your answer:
11:49
